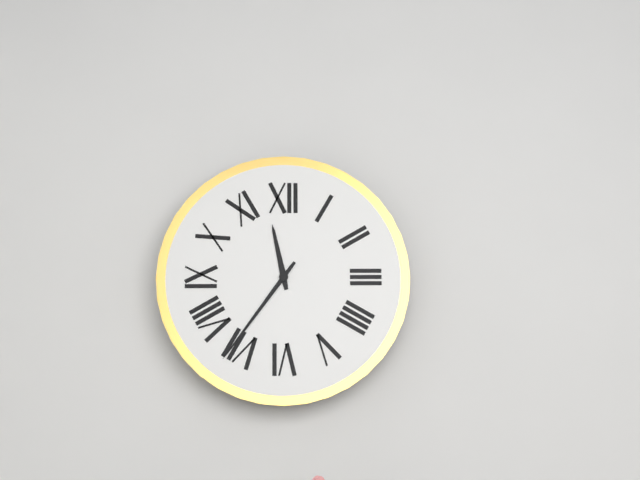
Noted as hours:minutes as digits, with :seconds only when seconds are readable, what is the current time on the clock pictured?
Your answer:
11:36
